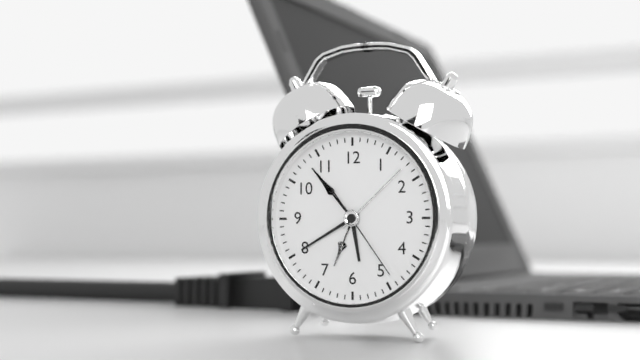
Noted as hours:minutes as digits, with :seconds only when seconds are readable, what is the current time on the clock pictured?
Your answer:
5:40:24
